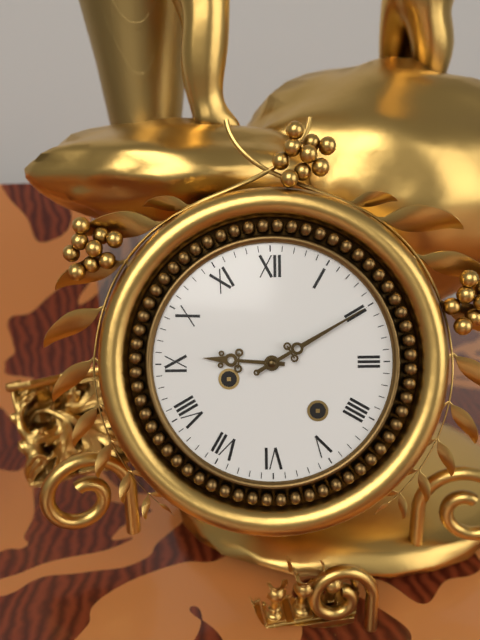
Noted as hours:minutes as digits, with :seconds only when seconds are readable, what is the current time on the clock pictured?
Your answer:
9:10
